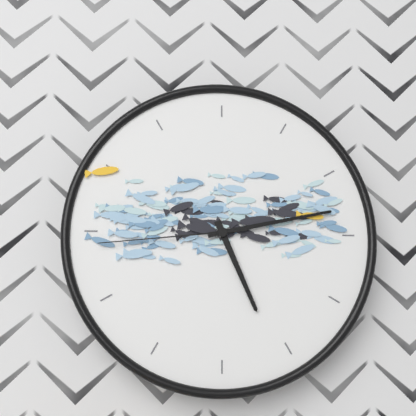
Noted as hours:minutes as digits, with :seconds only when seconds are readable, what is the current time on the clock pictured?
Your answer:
5:13:44
